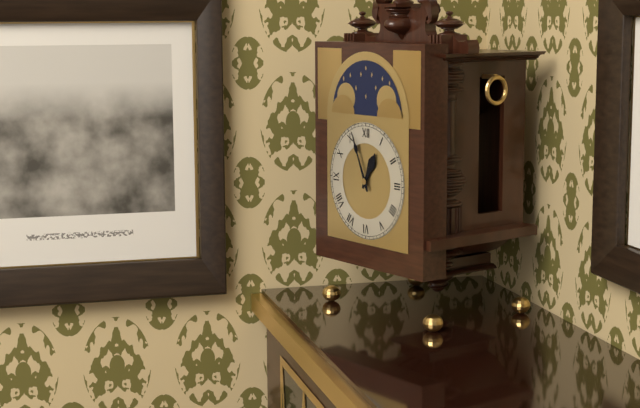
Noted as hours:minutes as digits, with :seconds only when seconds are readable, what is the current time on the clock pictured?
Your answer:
12:56
